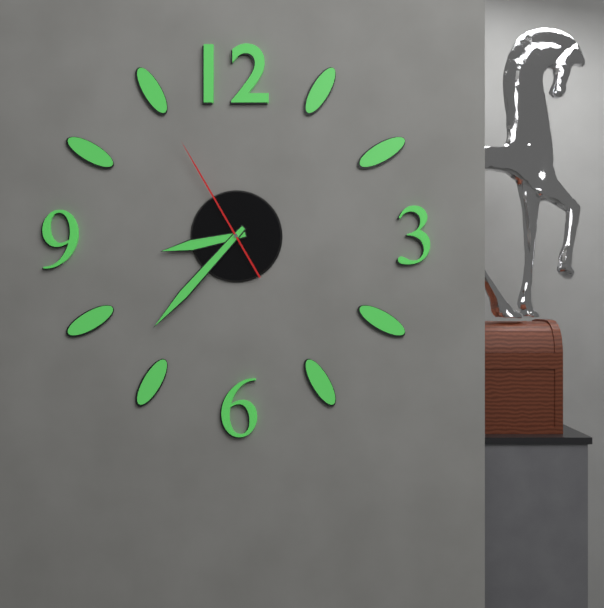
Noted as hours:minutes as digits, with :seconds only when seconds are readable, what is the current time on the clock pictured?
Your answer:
8:37:55
